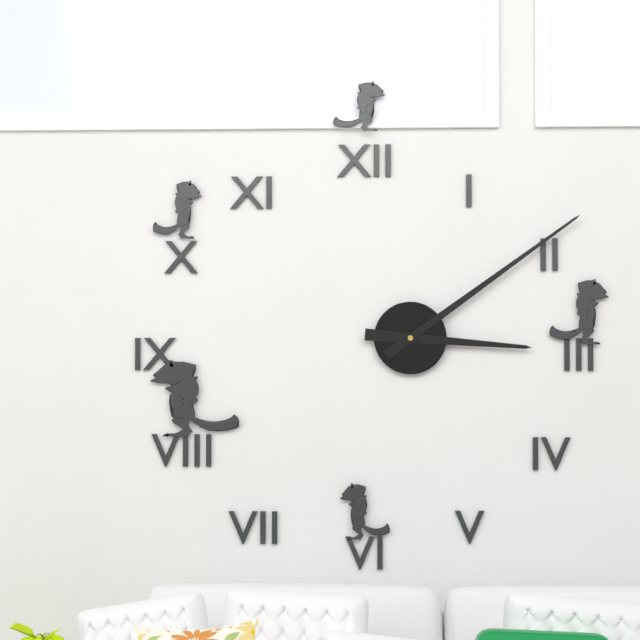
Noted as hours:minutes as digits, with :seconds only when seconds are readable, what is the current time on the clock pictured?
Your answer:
3:09
